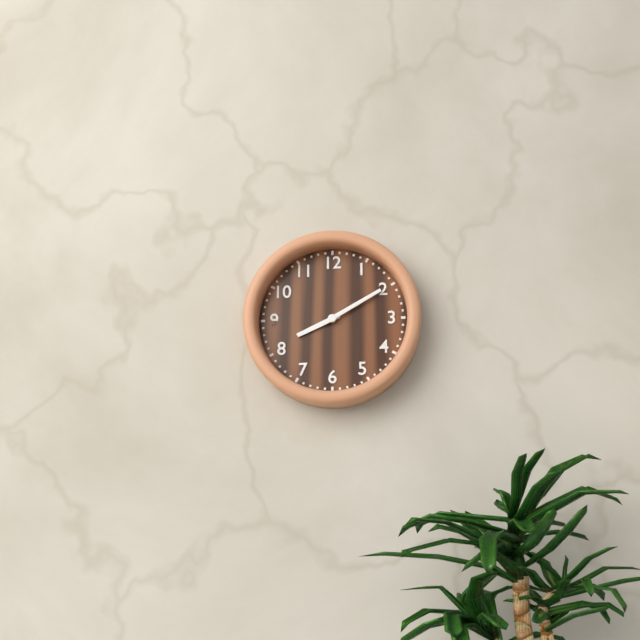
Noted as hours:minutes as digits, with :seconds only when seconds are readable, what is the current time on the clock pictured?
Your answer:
8:10
